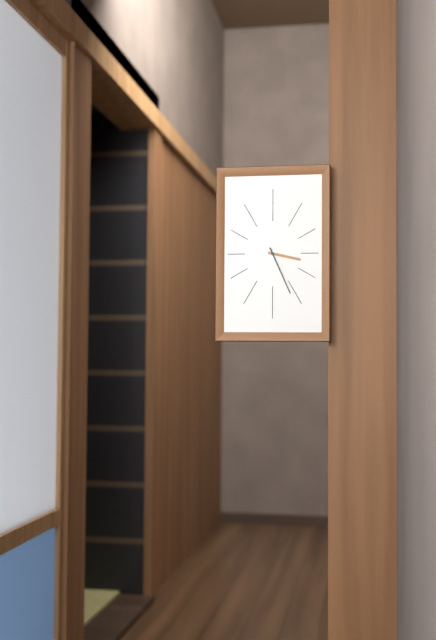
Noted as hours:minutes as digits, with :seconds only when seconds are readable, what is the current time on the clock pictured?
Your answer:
3:26
